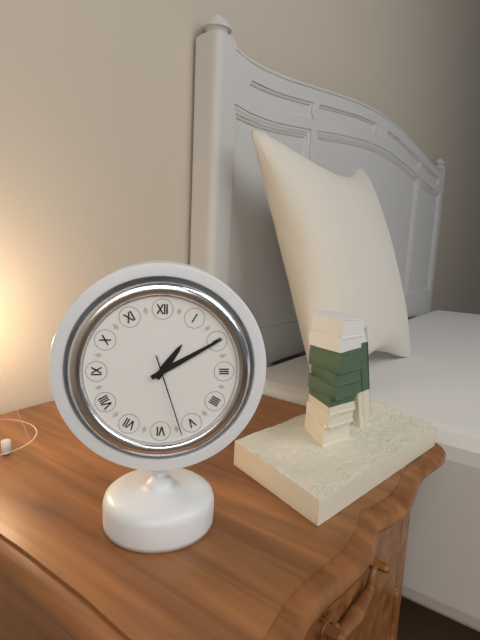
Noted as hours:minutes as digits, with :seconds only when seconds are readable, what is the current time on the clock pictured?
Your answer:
1:10:27
